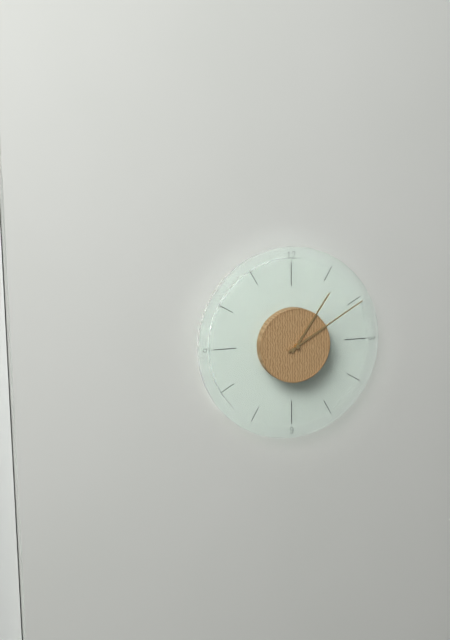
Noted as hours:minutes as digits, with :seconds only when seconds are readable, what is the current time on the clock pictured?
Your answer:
1:10
